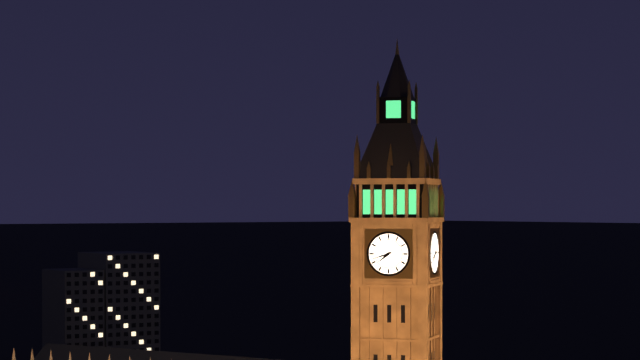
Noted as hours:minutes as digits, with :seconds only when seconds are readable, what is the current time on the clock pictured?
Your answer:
7:42
